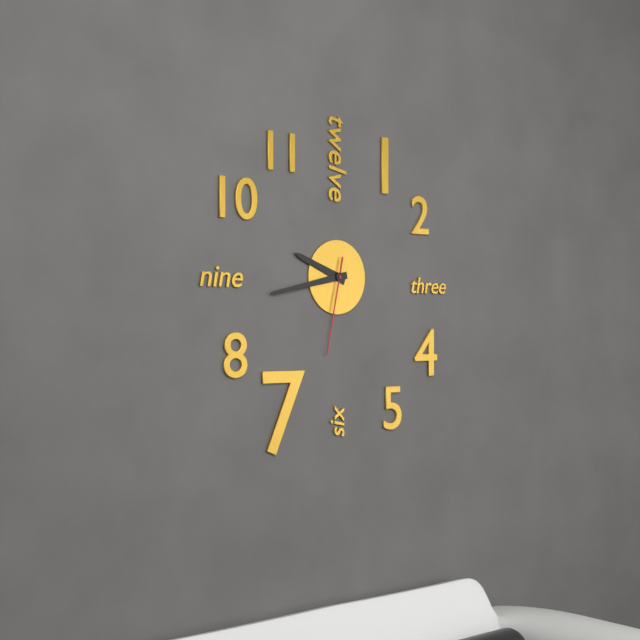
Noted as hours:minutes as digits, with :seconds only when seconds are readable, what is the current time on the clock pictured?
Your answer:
9:43:32
